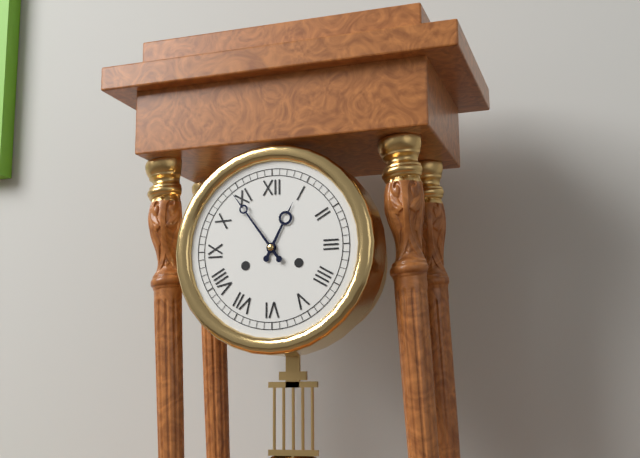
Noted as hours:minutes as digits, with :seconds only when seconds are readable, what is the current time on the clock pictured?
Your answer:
12:54
